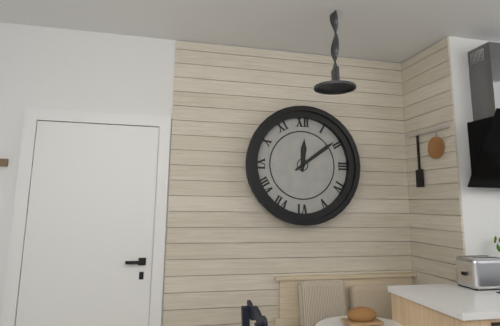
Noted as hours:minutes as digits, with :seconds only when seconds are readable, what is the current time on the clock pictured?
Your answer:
12:09
